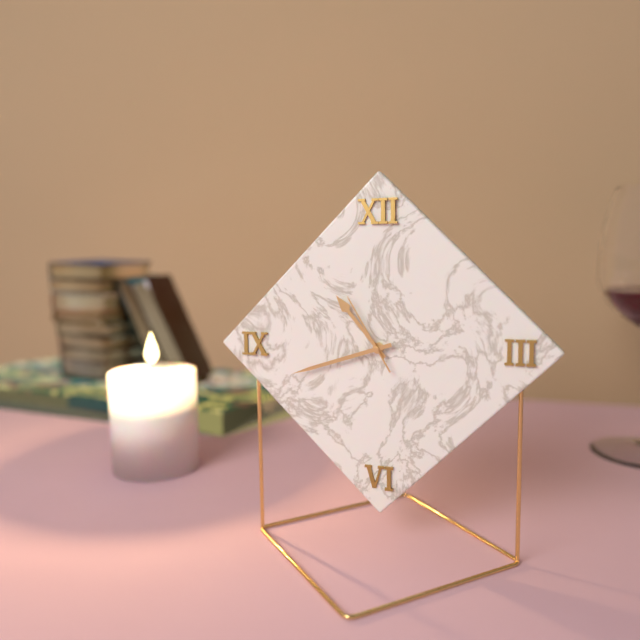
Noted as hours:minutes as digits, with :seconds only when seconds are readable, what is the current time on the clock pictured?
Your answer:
10:42:55
